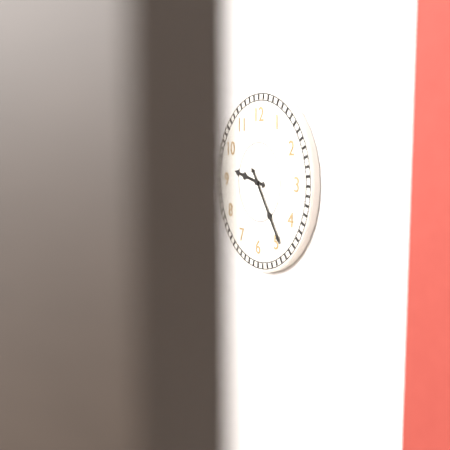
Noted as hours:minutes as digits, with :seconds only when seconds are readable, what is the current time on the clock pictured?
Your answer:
9:24
